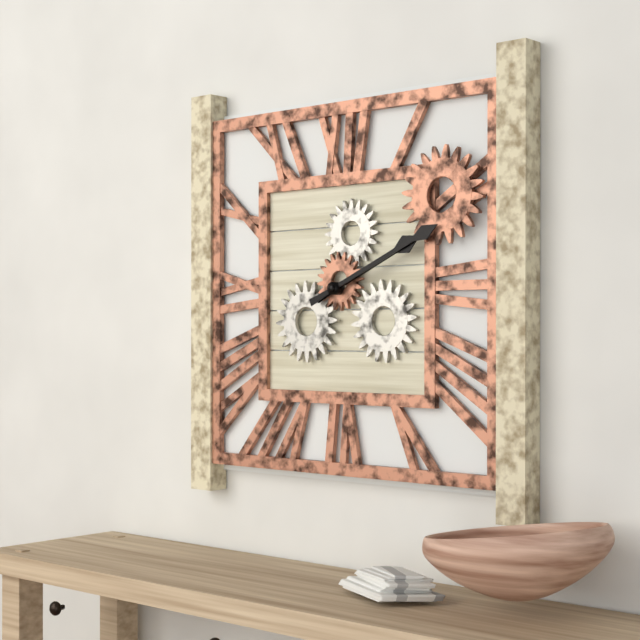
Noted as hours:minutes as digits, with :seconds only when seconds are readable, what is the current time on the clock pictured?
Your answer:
2:11
